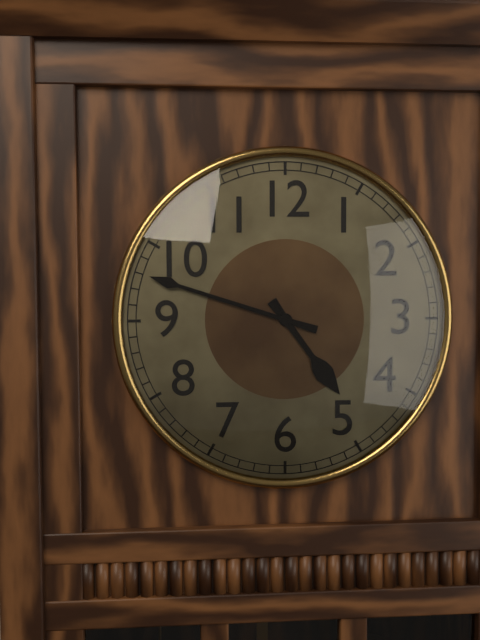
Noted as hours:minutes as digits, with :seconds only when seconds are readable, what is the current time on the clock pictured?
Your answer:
4:48
